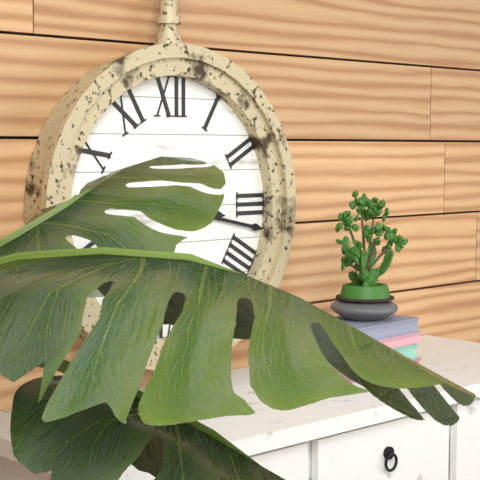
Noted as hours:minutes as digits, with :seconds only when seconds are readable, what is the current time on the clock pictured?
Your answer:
3:17
